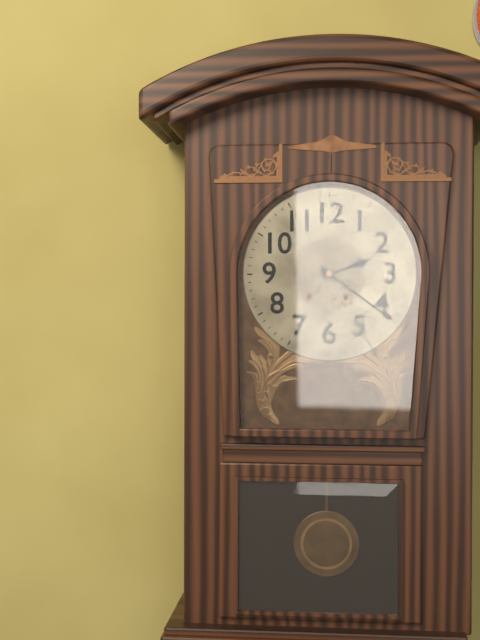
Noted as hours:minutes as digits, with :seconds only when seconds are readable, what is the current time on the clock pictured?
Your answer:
2:21
